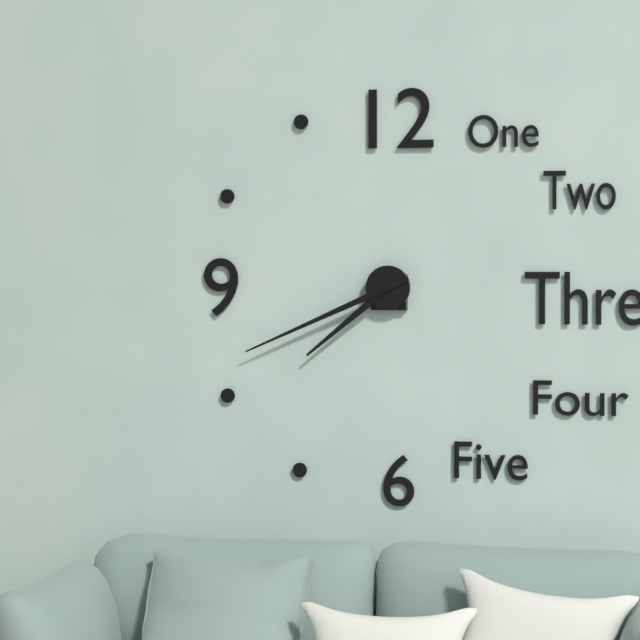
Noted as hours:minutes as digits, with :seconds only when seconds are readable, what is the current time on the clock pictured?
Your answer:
7:41
